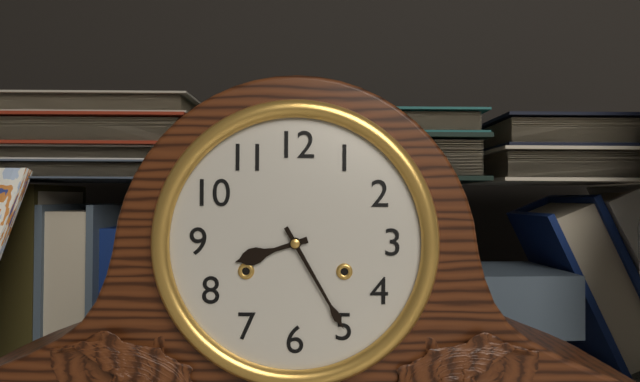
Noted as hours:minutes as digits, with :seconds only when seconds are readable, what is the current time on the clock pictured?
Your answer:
8:25
